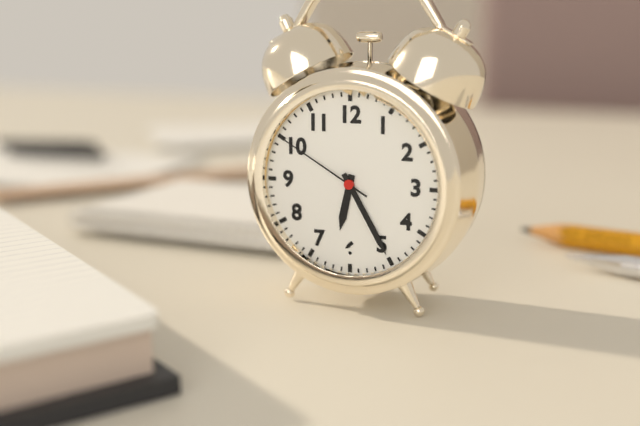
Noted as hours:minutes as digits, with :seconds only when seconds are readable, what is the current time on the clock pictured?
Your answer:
6:25:50
